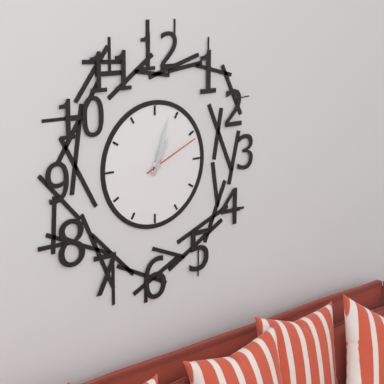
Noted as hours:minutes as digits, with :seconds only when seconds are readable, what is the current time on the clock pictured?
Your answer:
1:03:11
